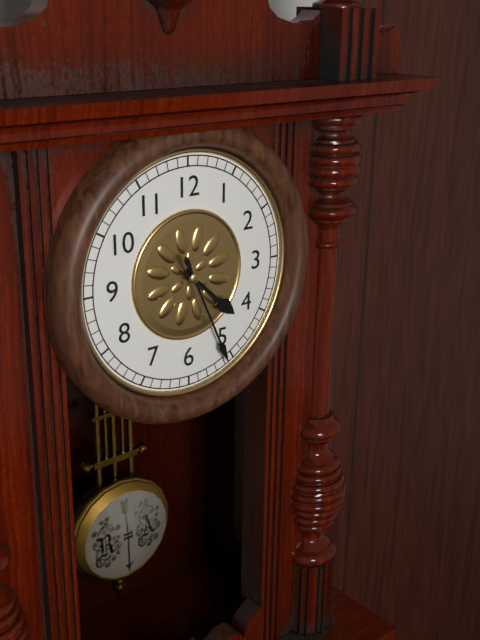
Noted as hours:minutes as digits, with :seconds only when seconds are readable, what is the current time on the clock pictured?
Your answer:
4:26
